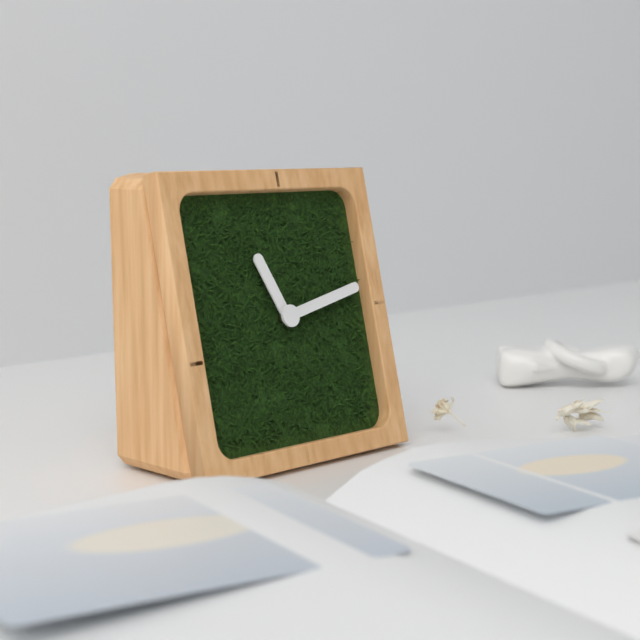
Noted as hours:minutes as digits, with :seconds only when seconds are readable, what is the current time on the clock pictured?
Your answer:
11:13
